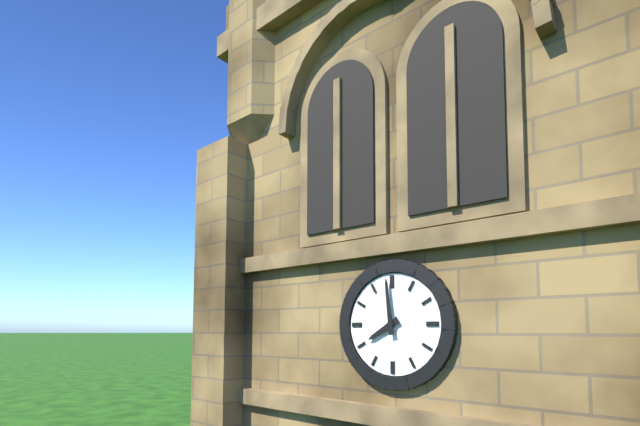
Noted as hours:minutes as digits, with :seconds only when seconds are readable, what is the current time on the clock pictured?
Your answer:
7:59
